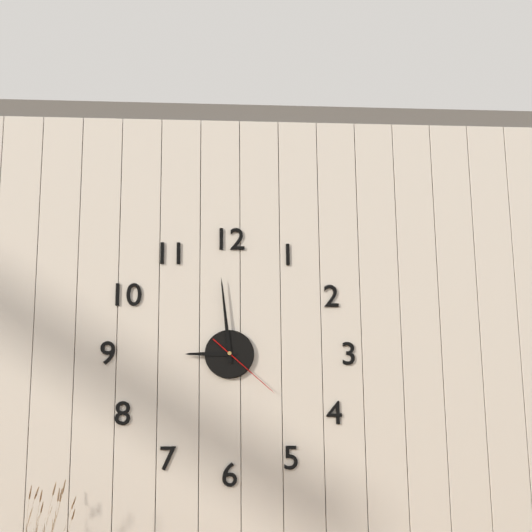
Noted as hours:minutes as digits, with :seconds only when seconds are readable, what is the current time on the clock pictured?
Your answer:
8:59:22
